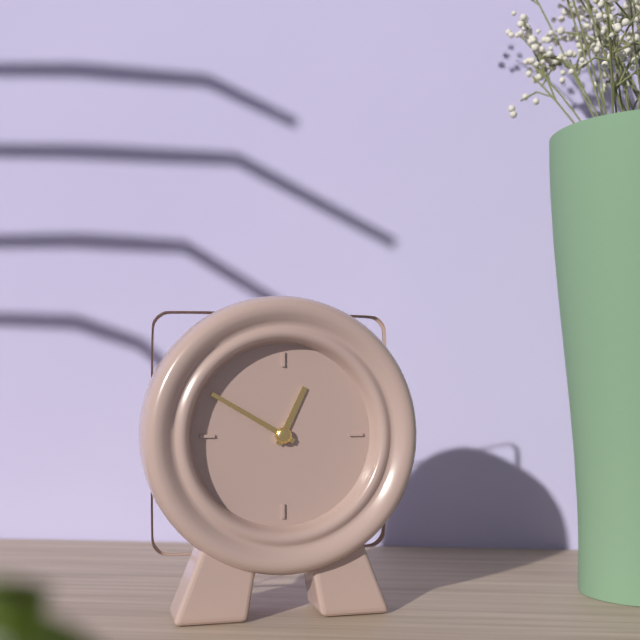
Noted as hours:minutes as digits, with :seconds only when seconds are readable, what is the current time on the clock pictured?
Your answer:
12:50
